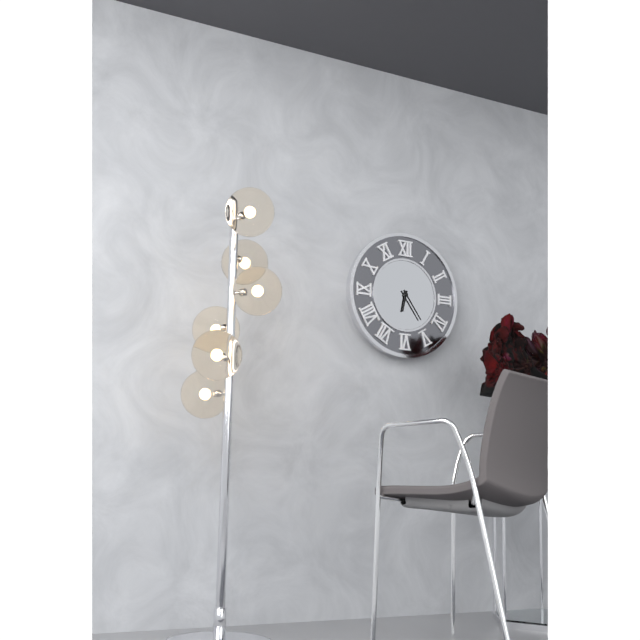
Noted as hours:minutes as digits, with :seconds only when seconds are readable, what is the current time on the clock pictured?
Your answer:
6:24
